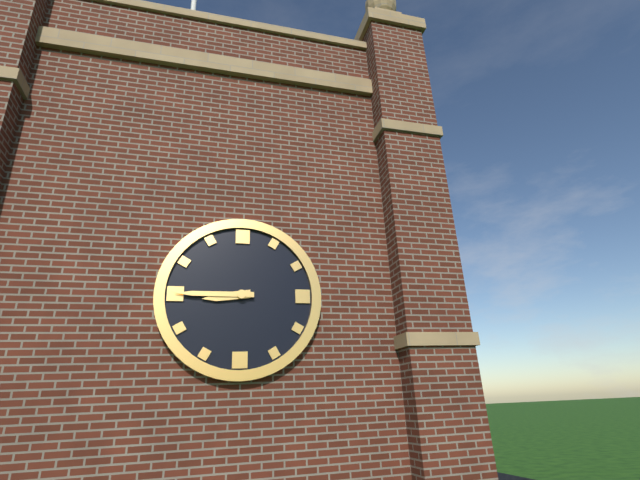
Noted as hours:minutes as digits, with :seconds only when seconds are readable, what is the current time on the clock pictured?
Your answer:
8:45
